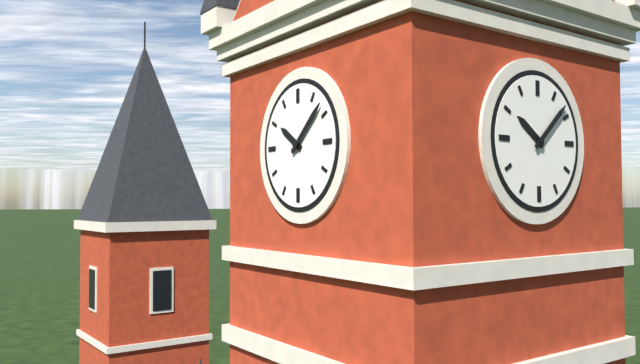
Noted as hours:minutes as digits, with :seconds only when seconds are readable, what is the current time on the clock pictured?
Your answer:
10:08
